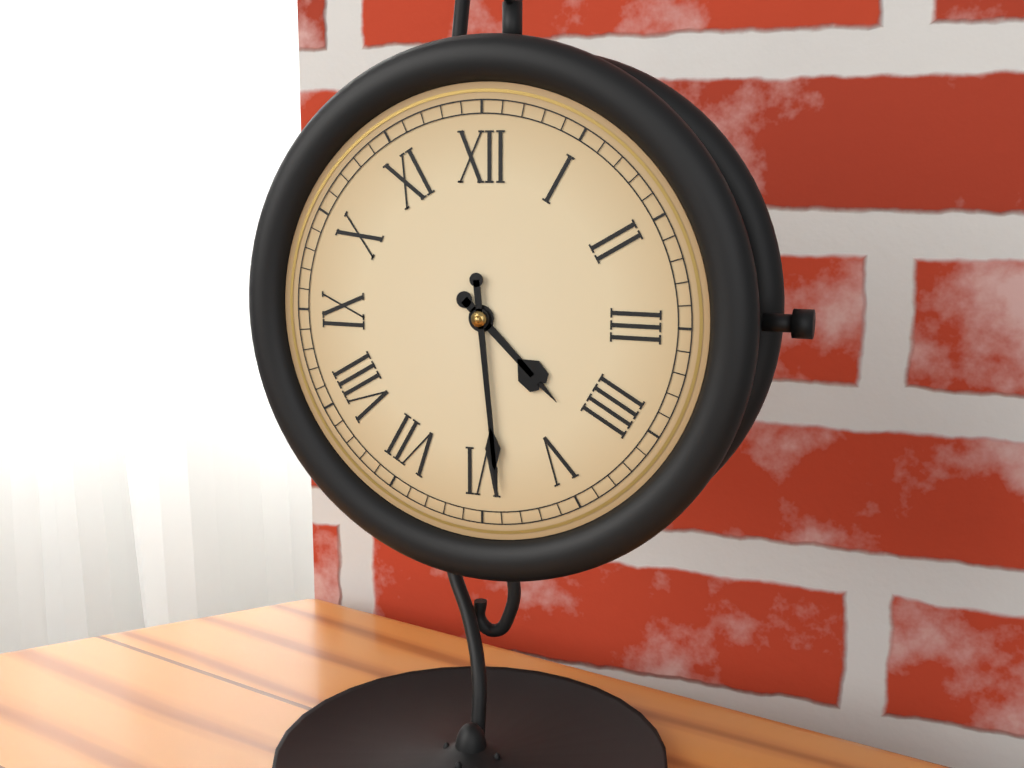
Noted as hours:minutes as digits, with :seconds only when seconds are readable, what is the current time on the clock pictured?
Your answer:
4:29
